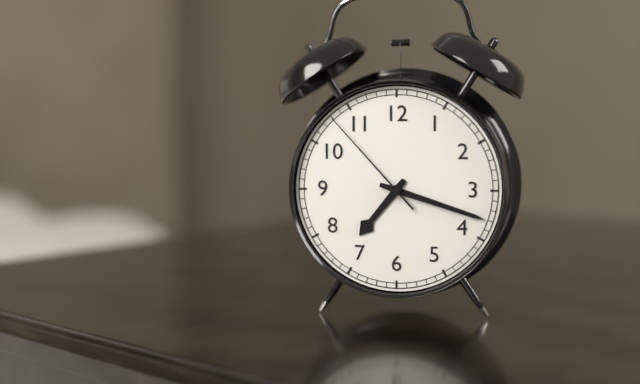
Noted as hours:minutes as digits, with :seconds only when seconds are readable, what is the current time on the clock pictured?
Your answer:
7:18:53
